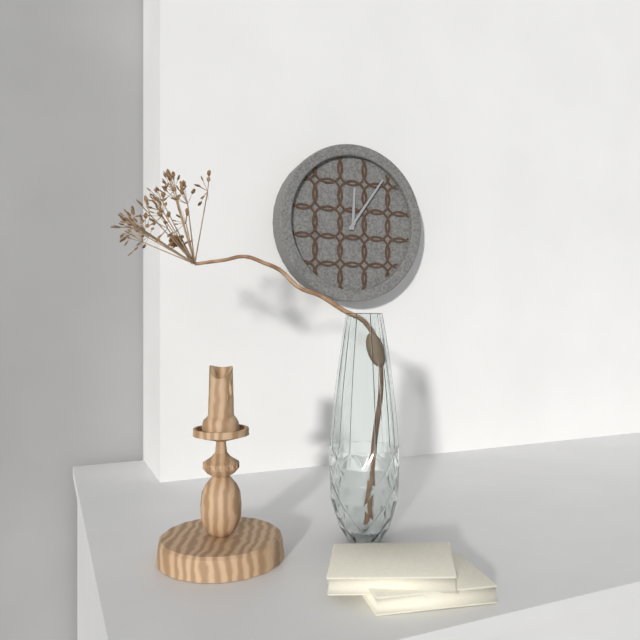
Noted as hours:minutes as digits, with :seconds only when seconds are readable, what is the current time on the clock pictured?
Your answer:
12:06
